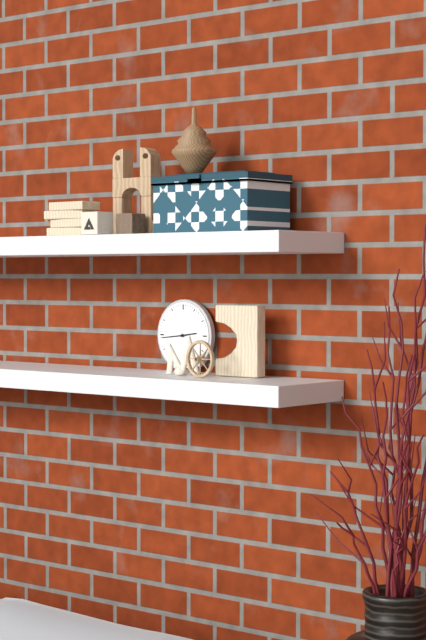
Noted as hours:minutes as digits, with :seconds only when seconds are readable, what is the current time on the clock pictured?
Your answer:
2:44
